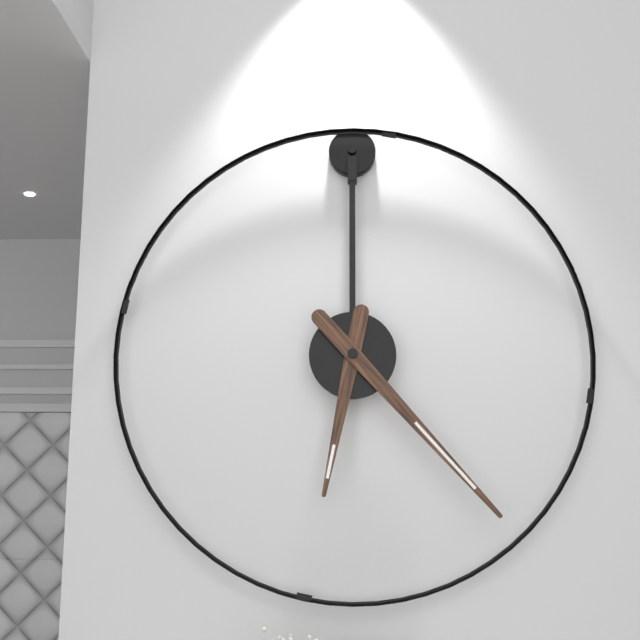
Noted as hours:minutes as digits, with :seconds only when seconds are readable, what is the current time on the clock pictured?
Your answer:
6:23
